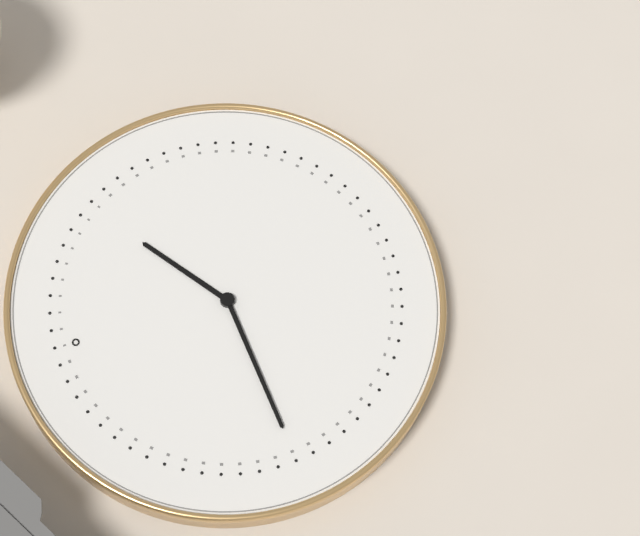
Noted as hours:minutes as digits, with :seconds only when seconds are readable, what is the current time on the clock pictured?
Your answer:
1:44
